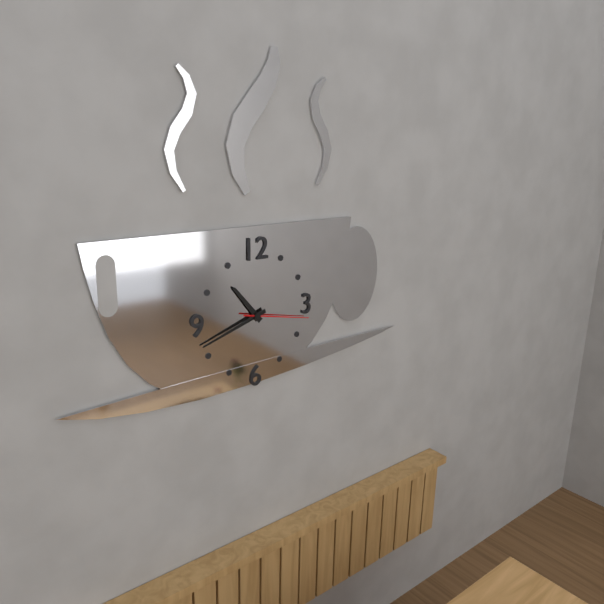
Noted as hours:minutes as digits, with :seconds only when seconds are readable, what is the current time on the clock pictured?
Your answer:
10:42:17
